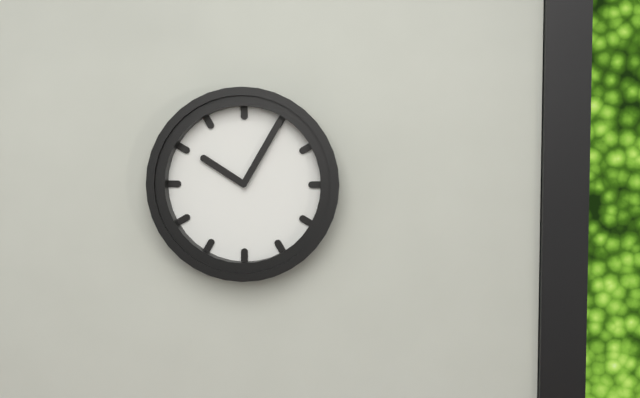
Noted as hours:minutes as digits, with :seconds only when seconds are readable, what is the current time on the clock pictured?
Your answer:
10:05
